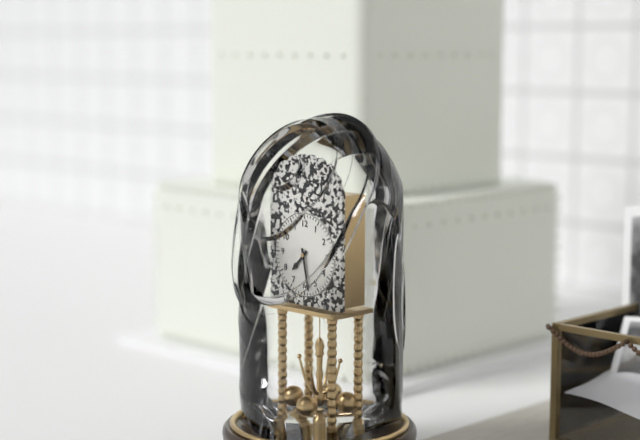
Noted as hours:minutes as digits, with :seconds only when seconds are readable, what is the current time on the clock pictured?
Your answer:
7:28
